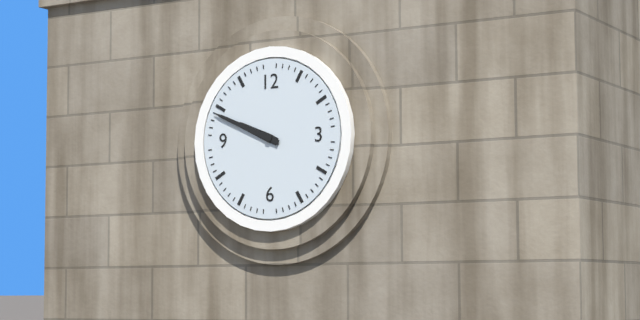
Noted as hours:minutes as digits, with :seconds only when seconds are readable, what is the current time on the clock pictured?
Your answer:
9:49
